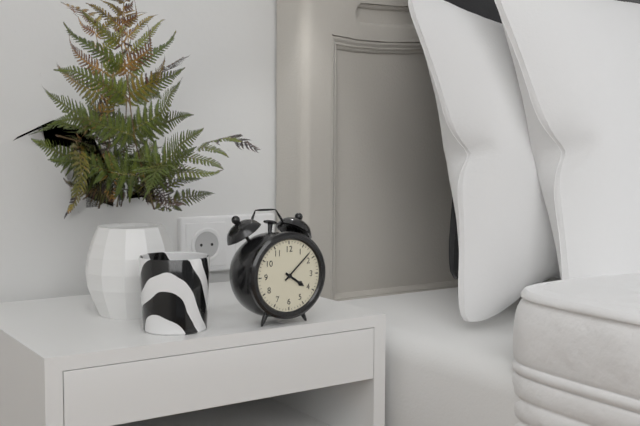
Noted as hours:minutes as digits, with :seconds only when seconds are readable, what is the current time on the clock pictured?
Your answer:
4:08
